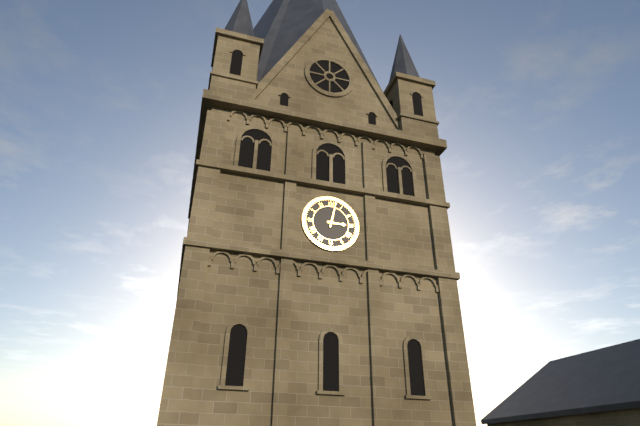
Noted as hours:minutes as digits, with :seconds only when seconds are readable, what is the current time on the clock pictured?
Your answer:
3:02
